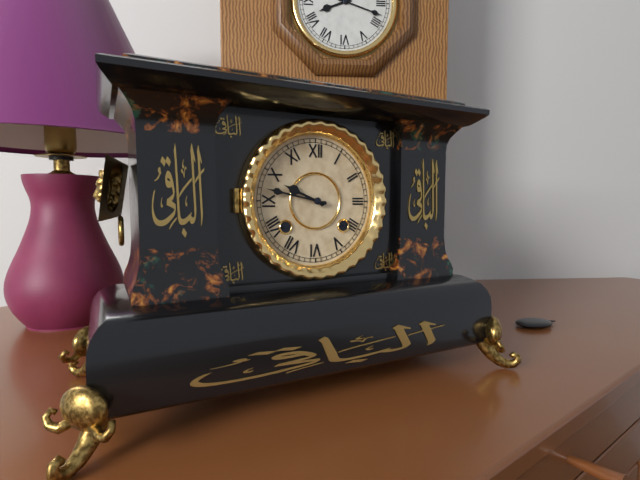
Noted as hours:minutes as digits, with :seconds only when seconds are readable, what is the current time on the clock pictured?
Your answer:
9:47
